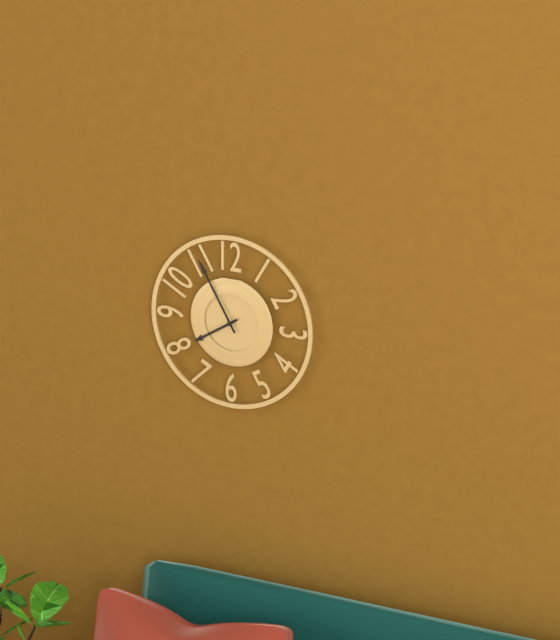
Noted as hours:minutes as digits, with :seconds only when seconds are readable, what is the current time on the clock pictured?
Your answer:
7:55
